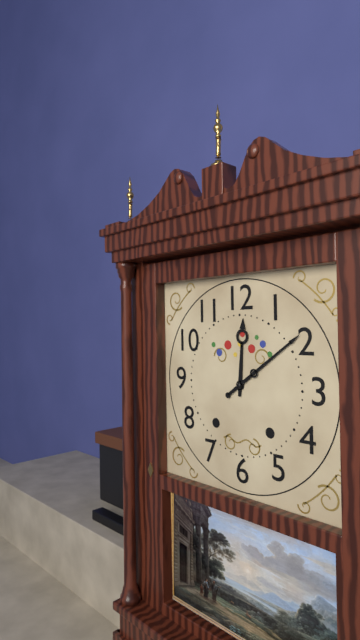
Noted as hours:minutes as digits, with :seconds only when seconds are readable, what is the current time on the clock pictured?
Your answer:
12:09
